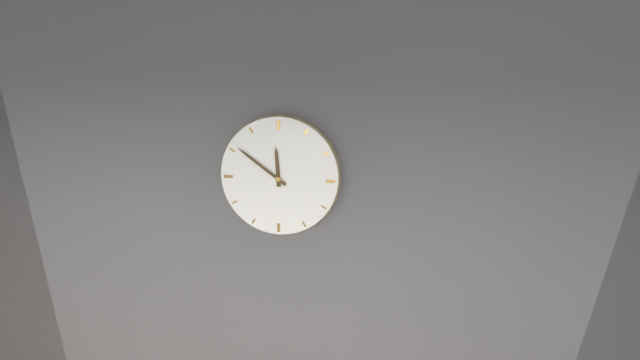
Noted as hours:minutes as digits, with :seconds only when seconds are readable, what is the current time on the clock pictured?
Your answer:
11:51
